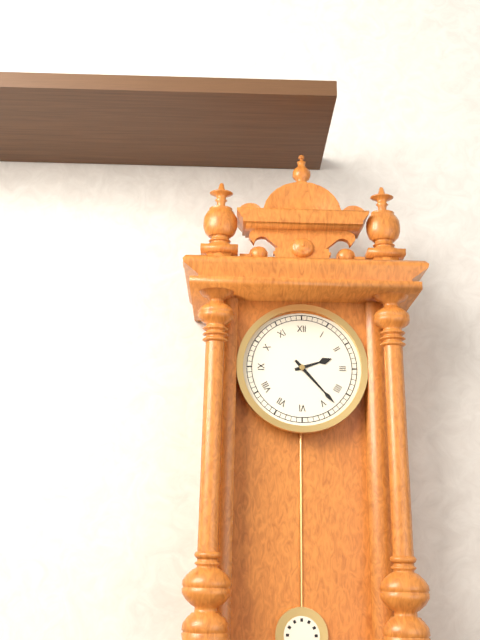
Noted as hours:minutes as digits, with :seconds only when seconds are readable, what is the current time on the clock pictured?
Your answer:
2:23
